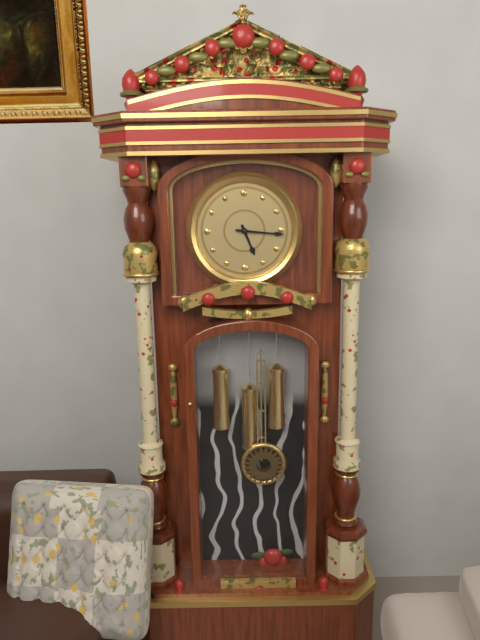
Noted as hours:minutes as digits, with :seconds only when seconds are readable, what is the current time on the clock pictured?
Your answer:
5:16
